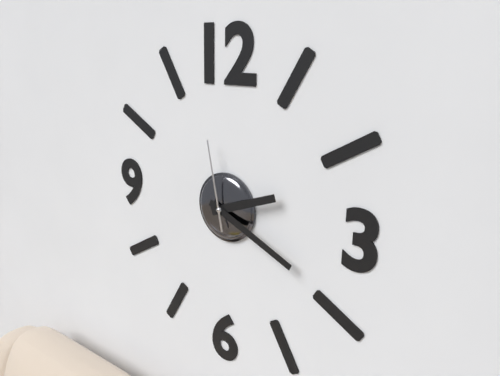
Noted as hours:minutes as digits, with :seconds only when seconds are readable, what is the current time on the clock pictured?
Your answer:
2:19:58
